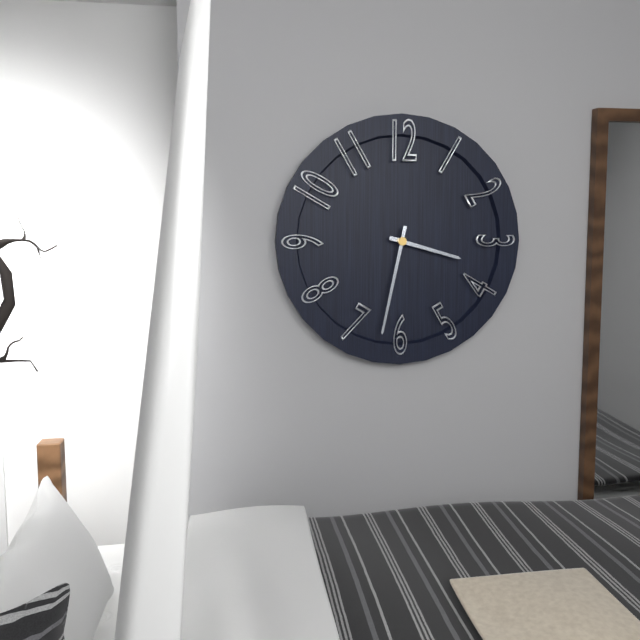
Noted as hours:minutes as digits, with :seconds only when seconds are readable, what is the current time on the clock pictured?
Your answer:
3:32
